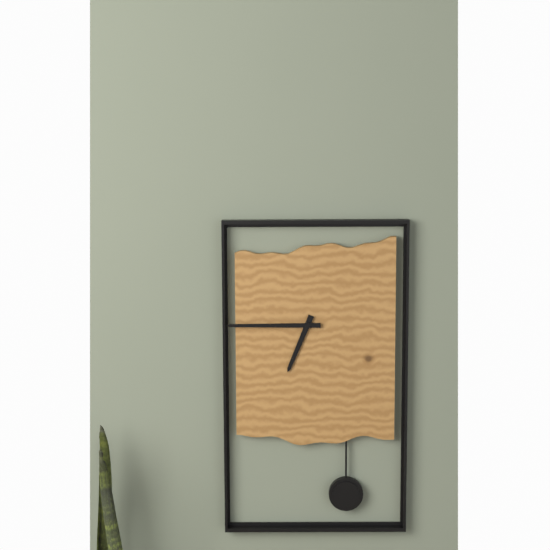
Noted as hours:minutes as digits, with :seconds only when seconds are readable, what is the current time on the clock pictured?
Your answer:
6:45
